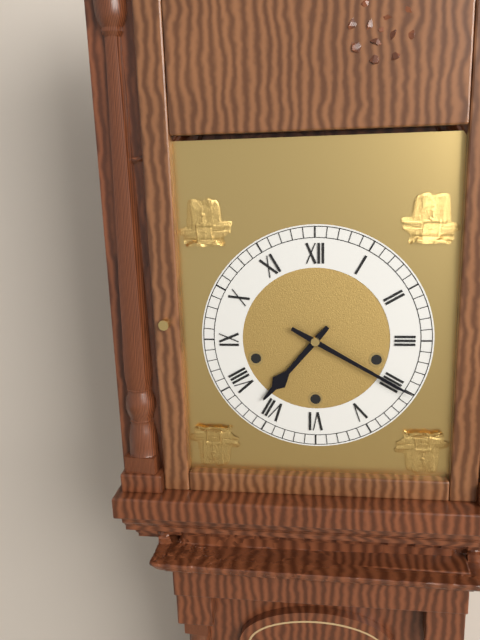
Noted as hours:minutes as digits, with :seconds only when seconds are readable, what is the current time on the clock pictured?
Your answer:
7:20
